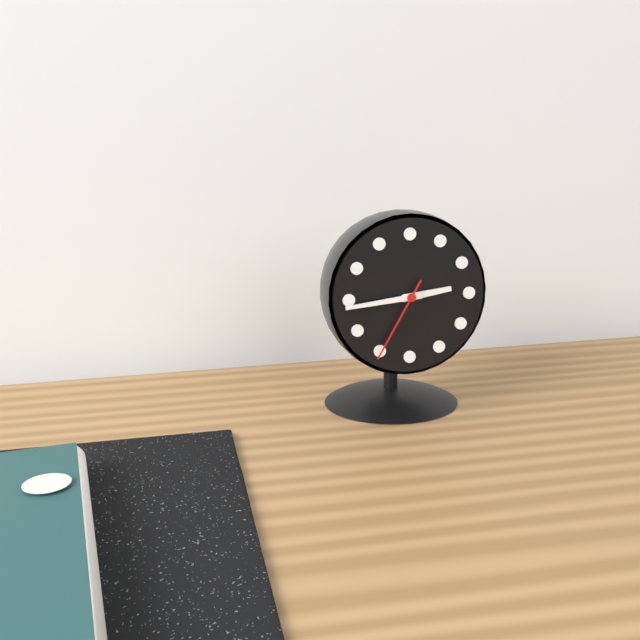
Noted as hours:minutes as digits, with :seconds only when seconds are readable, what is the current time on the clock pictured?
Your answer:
2:44:35
